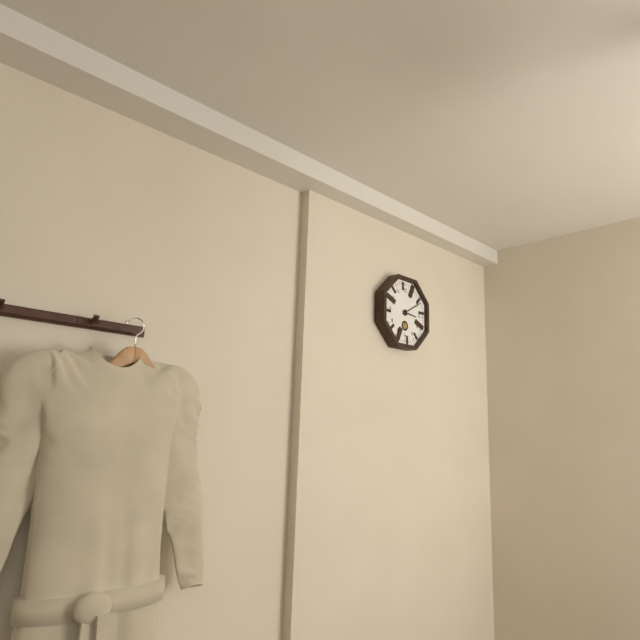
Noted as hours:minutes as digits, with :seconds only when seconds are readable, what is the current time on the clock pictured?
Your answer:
3:10
